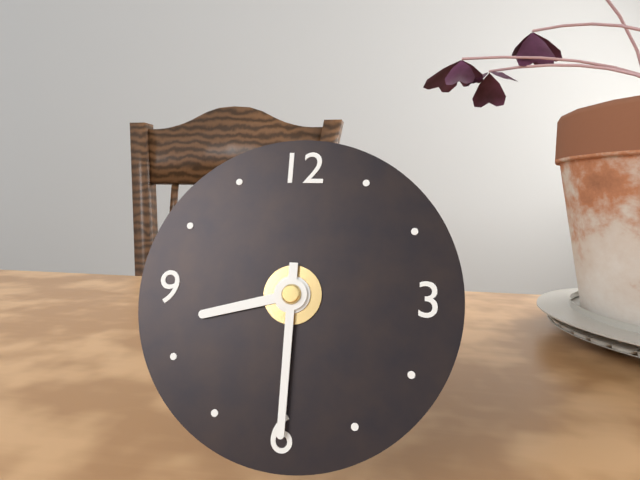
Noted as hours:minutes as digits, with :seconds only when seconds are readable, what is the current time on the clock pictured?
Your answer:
8:30
